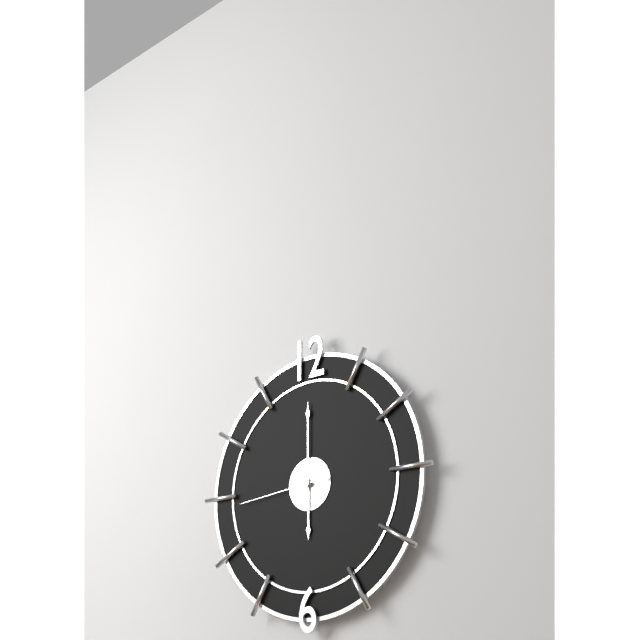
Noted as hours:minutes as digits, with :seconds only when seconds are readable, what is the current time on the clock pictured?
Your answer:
6:00:44
